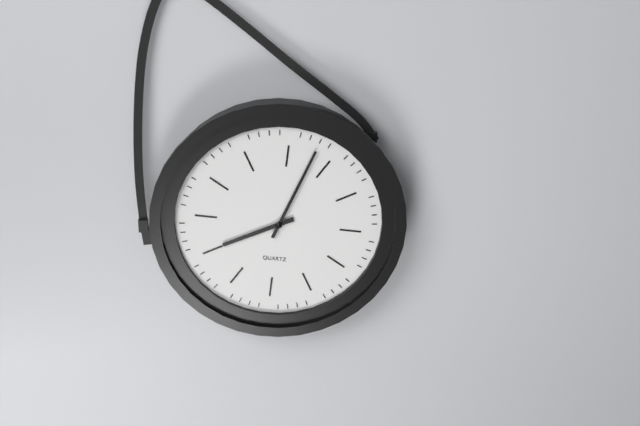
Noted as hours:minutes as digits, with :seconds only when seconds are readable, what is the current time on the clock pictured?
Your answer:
8:03
